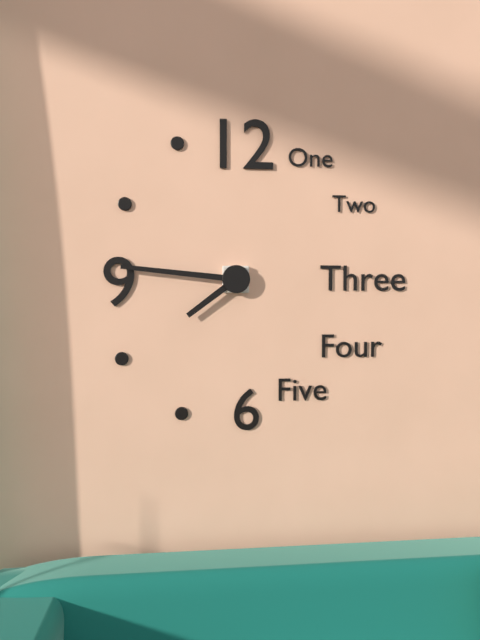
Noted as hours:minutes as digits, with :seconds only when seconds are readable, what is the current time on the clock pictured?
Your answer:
7:46
